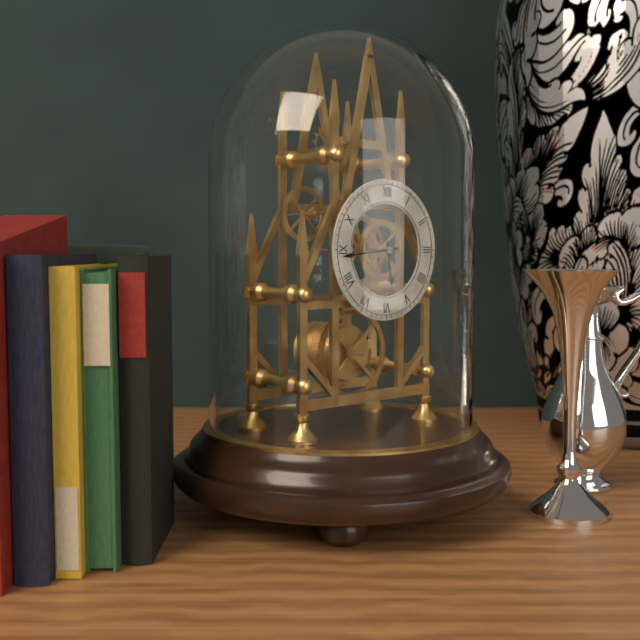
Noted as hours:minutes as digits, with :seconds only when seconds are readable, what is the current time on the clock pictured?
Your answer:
5:44
